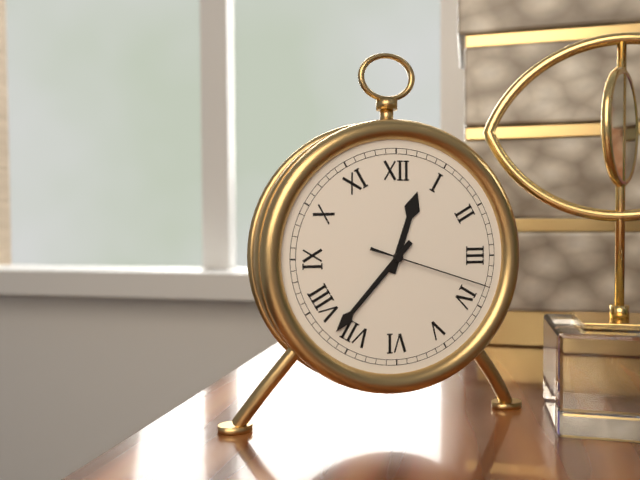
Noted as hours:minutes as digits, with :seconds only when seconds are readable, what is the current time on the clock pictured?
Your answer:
12:37:18
